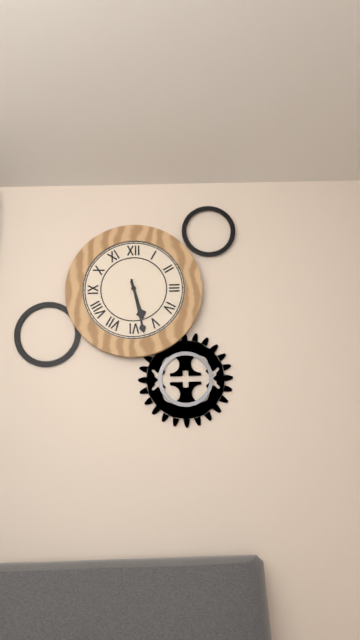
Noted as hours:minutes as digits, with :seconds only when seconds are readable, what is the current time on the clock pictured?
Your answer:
5:28
